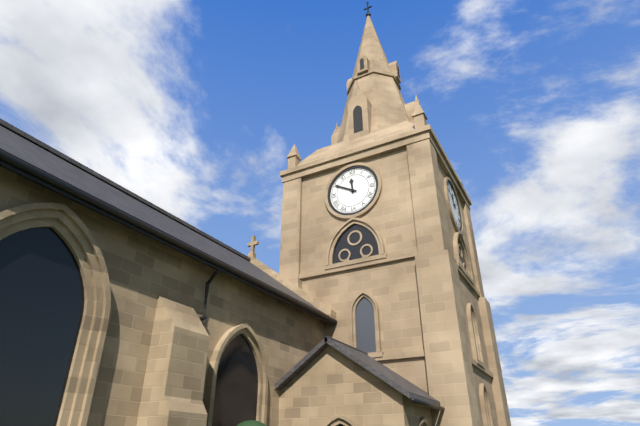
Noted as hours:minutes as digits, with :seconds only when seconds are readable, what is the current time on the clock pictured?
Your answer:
11:50
